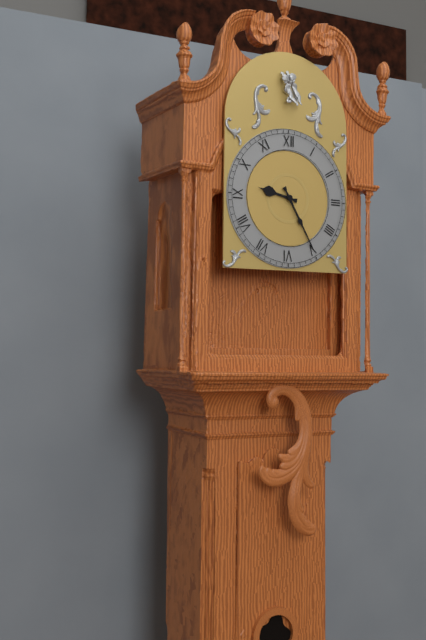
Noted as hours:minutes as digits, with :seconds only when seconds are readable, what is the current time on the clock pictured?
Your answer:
9:25
